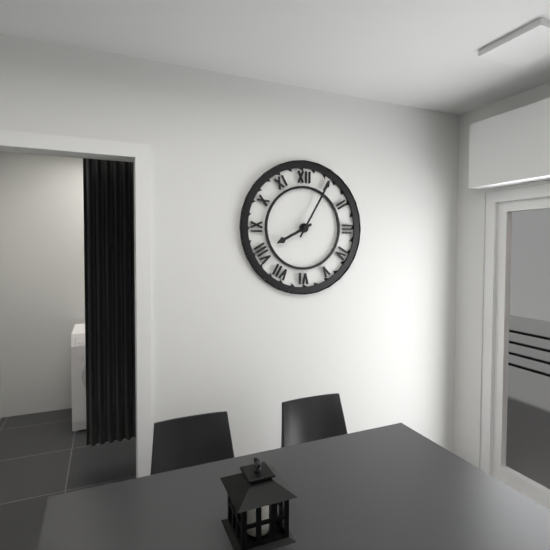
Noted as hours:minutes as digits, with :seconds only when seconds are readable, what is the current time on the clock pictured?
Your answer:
8:05
